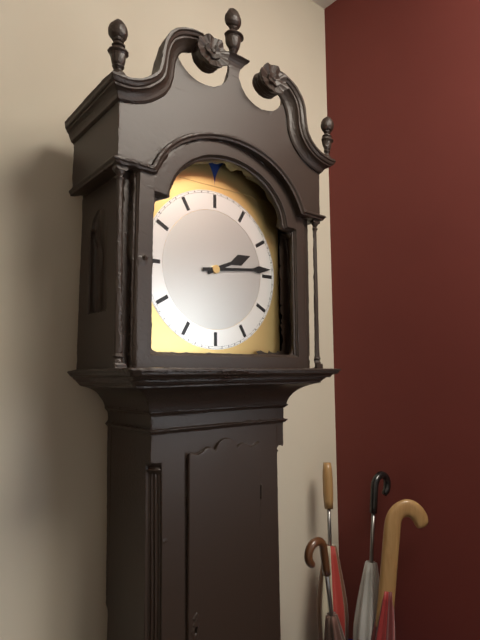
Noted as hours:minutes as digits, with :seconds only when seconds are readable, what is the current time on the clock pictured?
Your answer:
2:14
